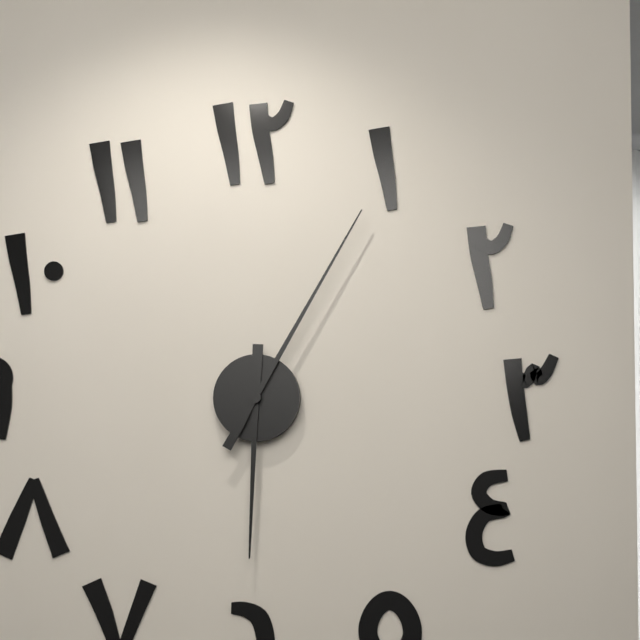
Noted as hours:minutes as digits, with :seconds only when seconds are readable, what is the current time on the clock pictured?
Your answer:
6:05
